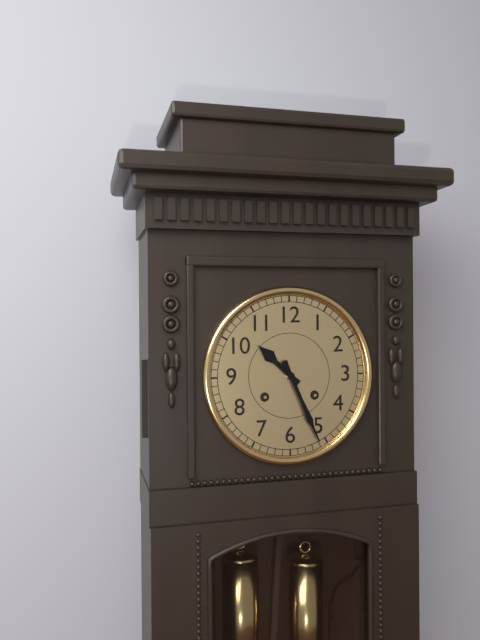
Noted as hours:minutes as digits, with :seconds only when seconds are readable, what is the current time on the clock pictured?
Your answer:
10:26
